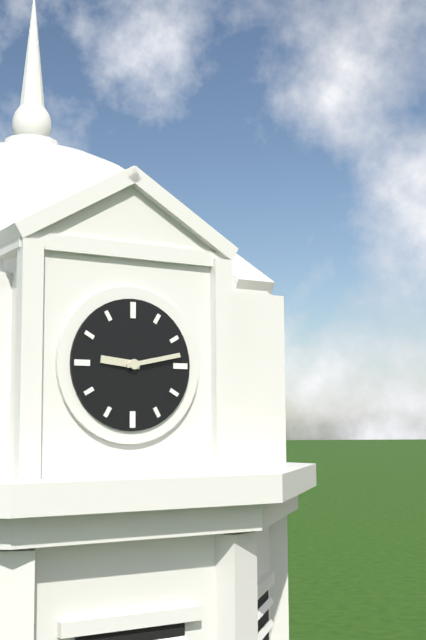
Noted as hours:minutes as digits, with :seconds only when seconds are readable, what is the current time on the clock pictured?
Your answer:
9:13
